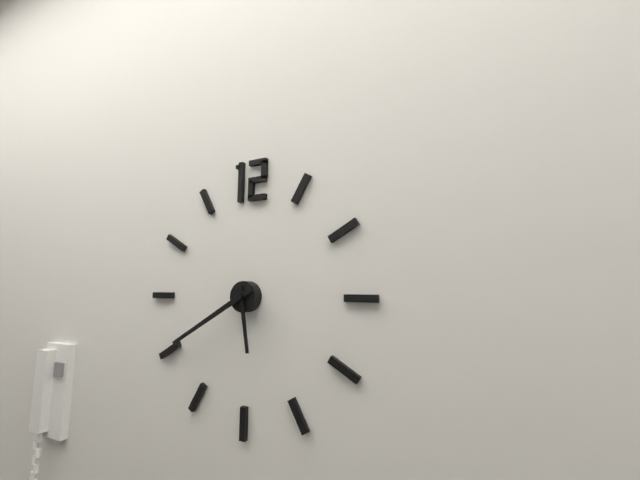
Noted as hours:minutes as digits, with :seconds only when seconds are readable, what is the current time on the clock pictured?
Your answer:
5:40
